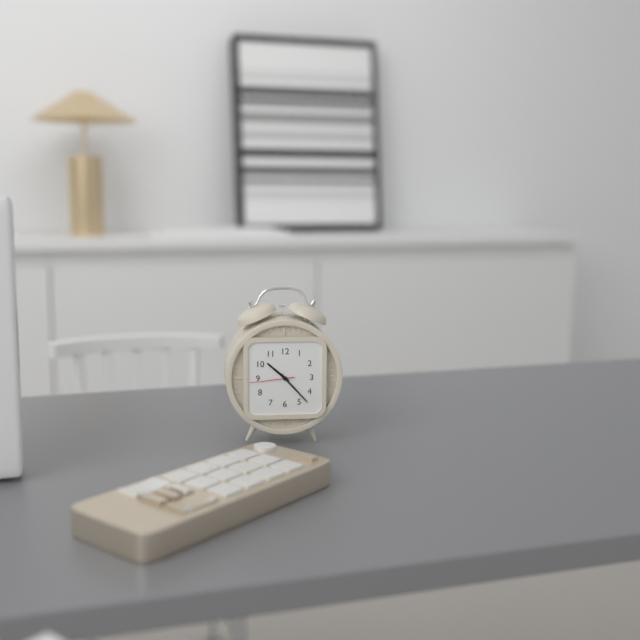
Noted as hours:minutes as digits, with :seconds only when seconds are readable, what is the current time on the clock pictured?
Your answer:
10:23
